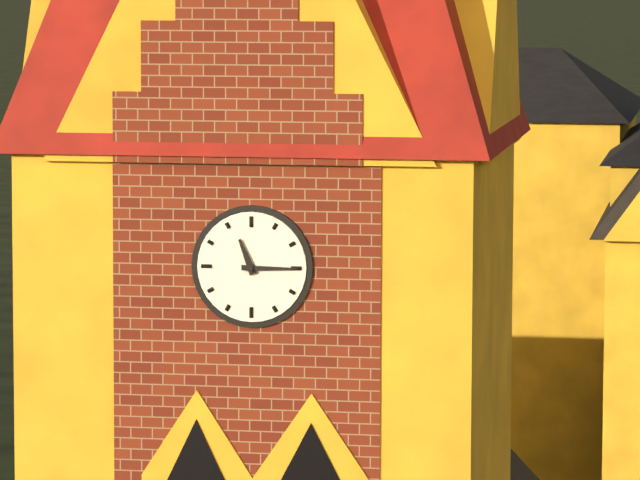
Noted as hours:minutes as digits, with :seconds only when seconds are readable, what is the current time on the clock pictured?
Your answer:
11:15
